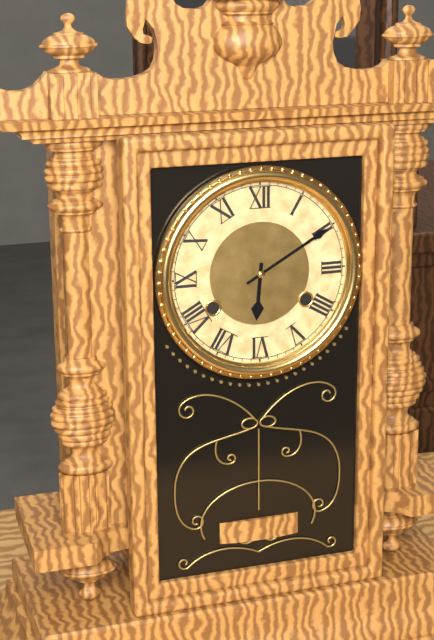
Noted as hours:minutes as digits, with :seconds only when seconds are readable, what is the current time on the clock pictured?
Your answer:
6:10
